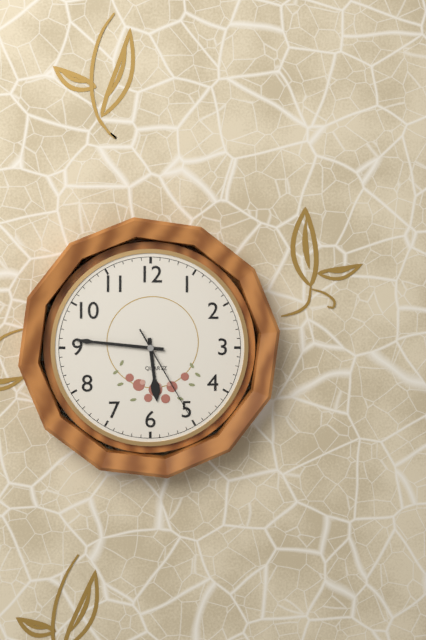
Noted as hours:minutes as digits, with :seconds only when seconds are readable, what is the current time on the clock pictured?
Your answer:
5:46:25
